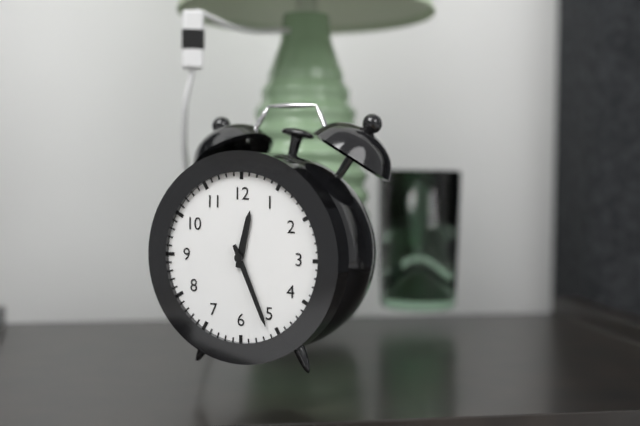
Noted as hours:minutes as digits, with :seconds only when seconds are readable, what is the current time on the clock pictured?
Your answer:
12:26
